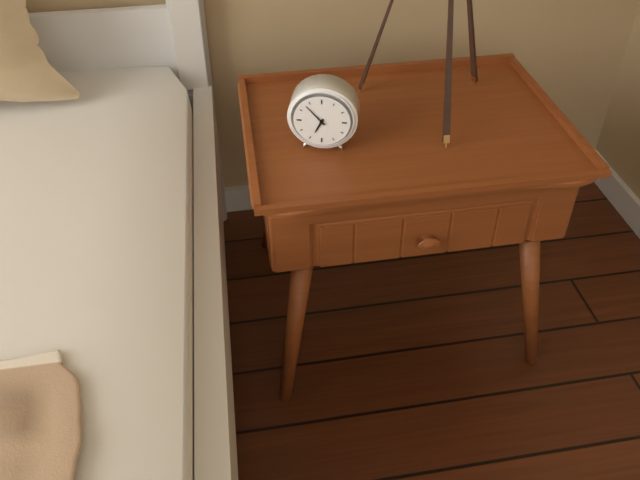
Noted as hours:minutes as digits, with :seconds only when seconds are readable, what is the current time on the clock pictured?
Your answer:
6:53
